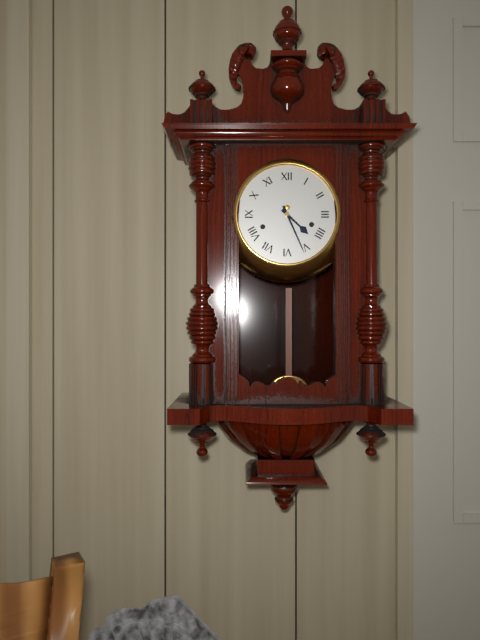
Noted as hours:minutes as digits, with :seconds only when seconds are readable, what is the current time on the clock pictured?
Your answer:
4:26
